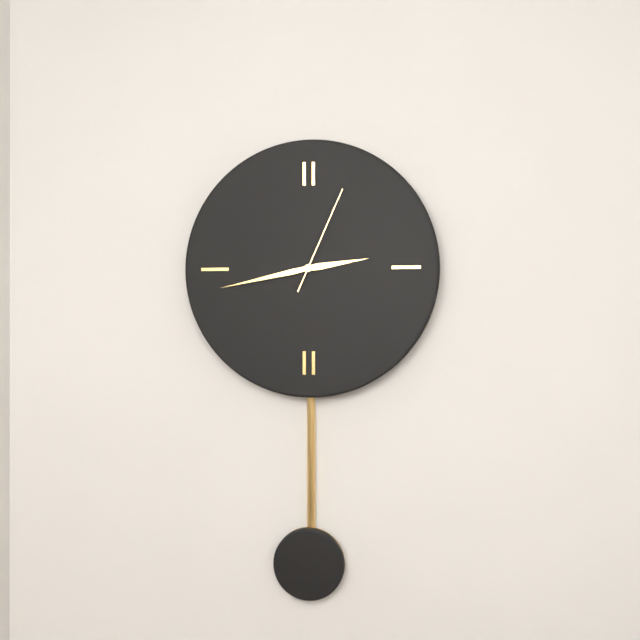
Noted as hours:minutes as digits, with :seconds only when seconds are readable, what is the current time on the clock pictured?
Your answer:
2:43:04
